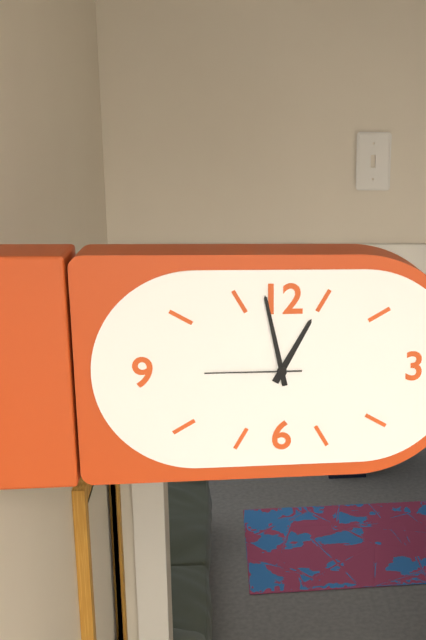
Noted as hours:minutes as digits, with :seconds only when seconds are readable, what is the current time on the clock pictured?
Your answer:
12:58:45
